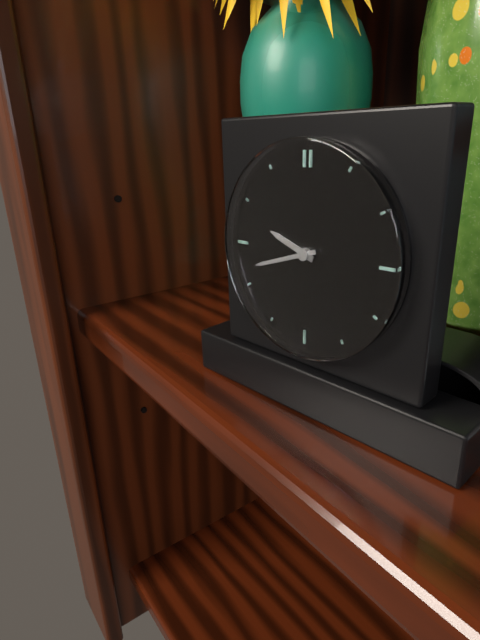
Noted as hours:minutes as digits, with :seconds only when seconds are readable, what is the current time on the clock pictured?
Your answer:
9:42
